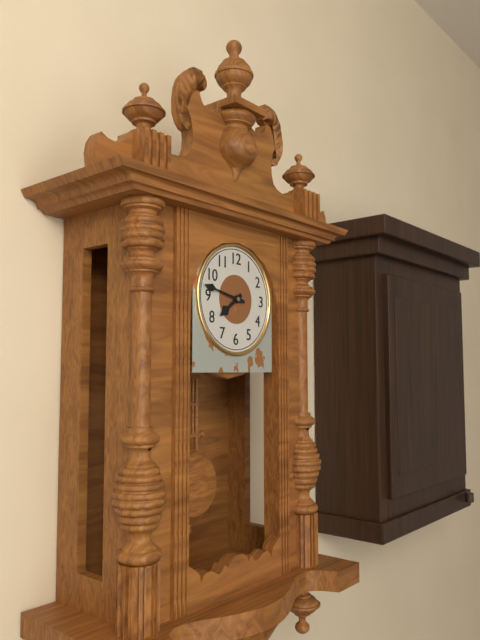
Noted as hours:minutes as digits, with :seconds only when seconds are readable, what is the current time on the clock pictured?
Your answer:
7:47
